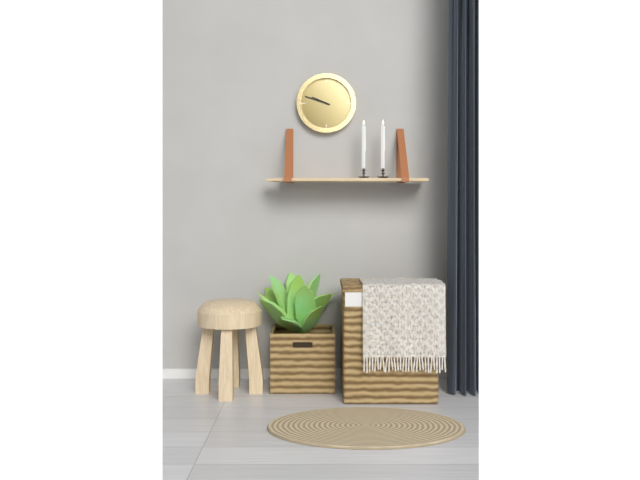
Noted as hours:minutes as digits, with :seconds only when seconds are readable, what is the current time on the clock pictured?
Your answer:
9:48
